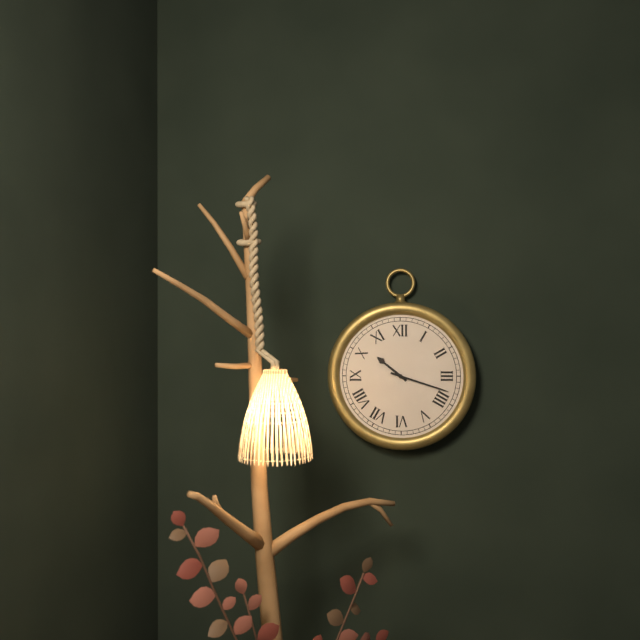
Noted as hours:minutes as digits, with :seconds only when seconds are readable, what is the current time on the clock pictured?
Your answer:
10:18
